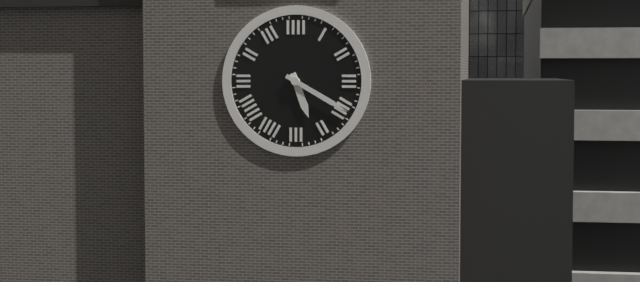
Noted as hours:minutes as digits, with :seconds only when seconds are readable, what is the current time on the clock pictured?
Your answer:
5:20
